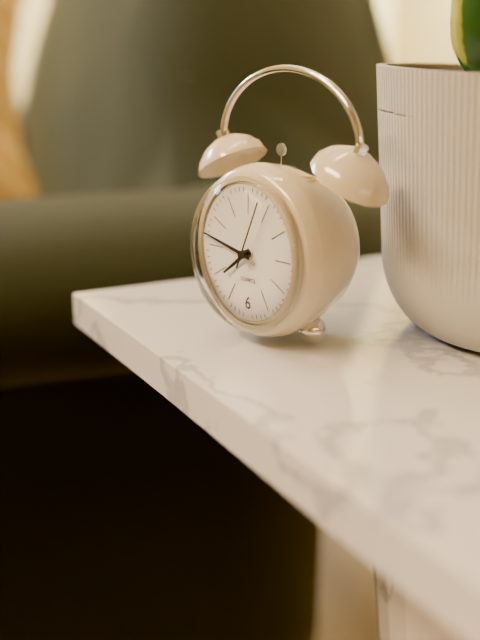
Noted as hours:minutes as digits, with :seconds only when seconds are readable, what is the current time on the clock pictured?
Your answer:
7:47:04
